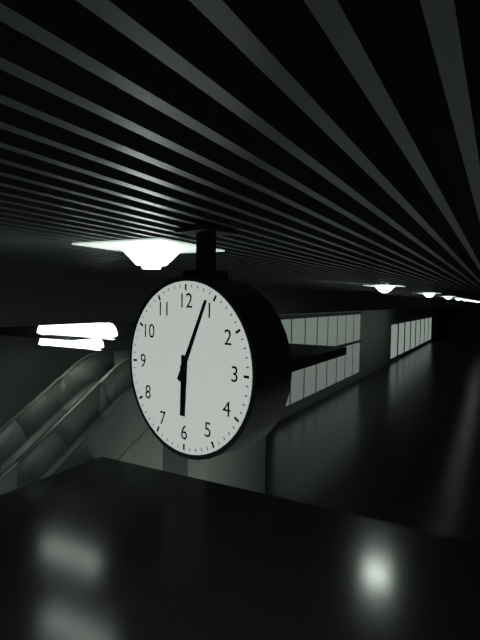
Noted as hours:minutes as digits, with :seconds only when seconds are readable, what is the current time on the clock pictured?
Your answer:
6:04
